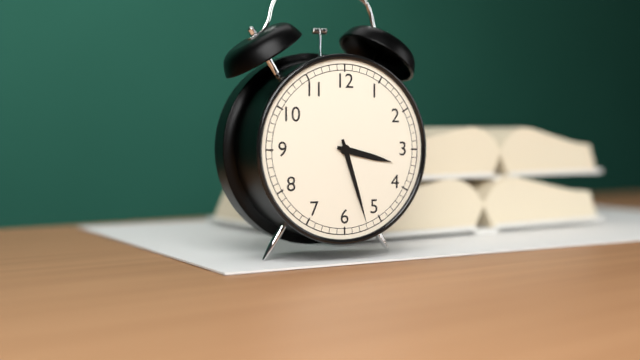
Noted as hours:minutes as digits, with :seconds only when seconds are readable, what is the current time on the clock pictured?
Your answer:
3:27
